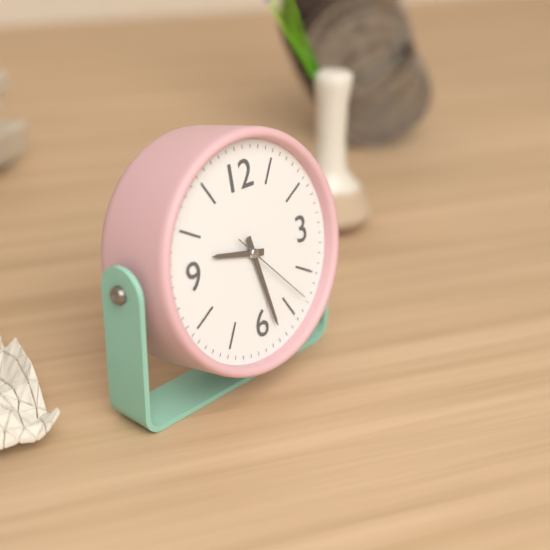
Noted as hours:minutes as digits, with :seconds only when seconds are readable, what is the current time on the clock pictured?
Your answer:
9:28:23
